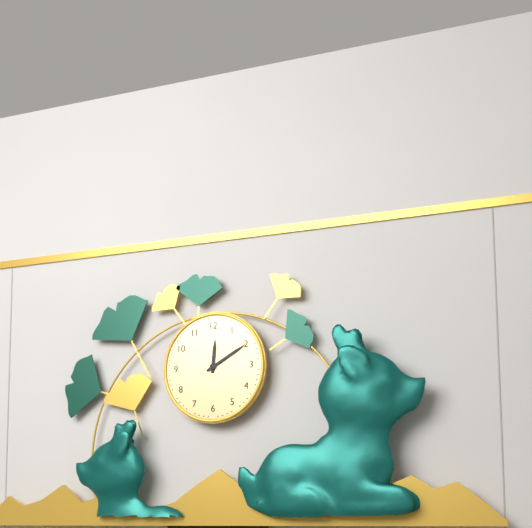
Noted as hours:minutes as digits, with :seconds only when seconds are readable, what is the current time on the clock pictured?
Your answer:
12:10
